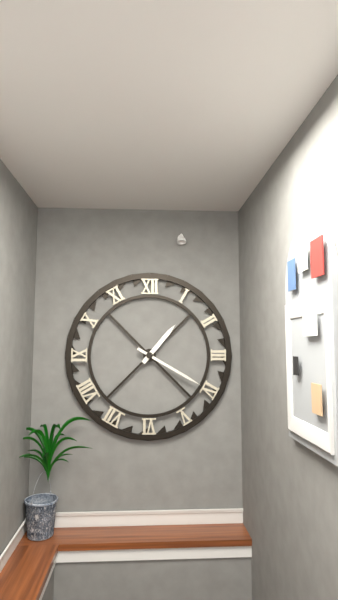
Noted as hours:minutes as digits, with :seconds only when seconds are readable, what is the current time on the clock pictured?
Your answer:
1:20
